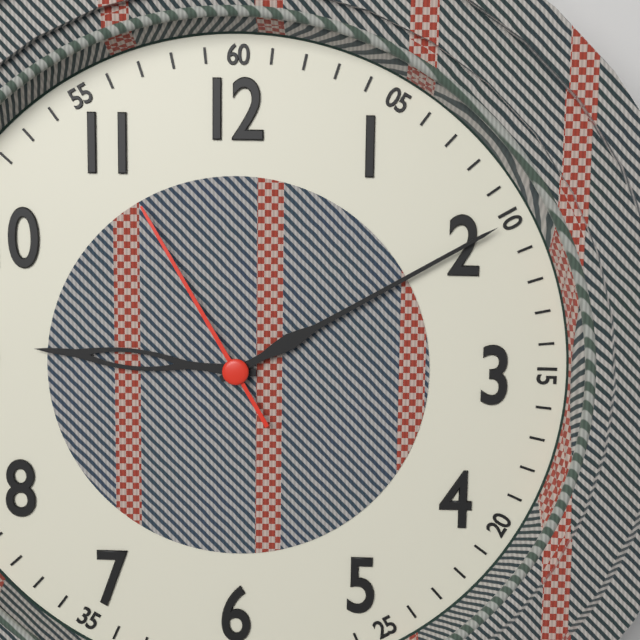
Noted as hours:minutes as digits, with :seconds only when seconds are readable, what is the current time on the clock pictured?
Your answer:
9:10:55
